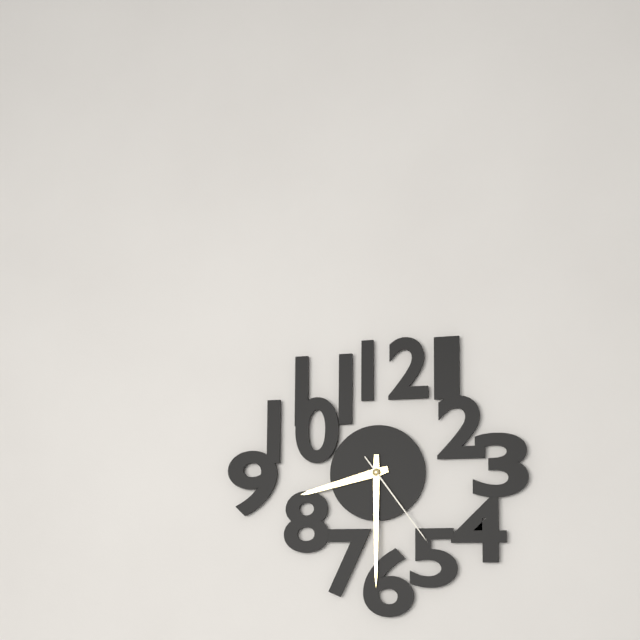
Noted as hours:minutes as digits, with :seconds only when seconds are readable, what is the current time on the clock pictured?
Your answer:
8:30:24
